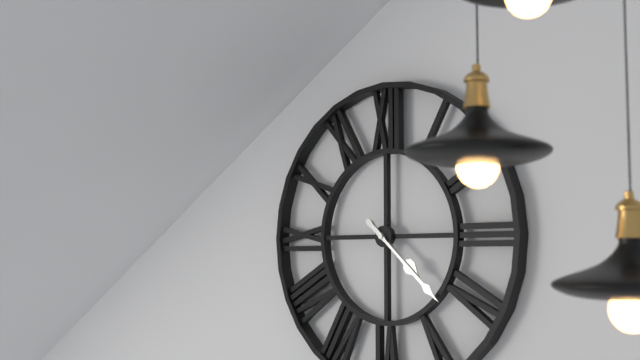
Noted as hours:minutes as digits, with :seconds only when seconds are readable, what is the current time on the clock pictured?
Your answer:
4:22
